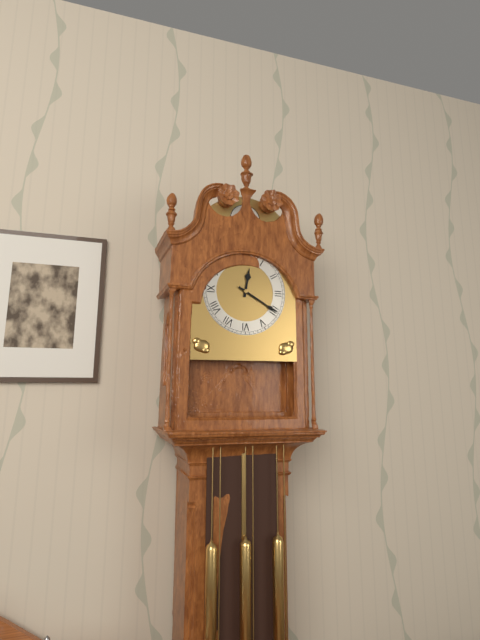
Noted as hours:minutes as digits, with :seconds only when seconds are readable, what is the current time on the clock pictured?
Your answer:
12:20
